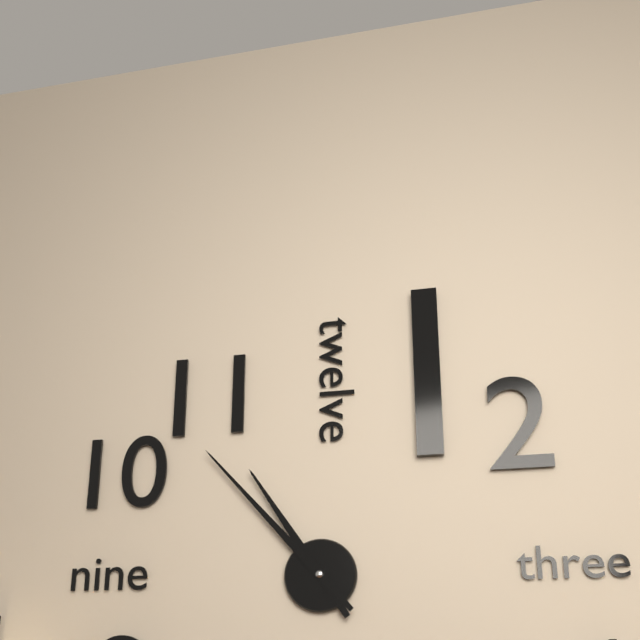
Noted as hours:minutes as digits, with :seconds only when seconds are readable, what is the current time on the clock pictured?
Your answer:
10:53
